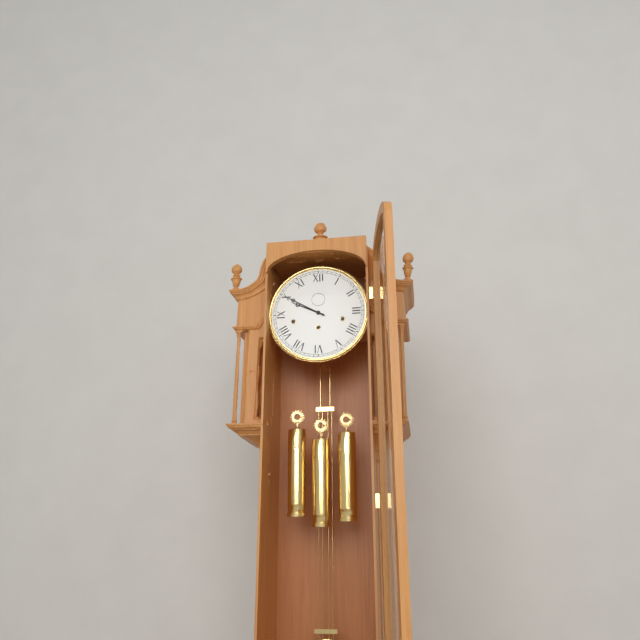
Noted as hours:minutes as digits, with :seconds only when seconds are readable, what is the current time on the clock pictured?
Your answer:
9:50
